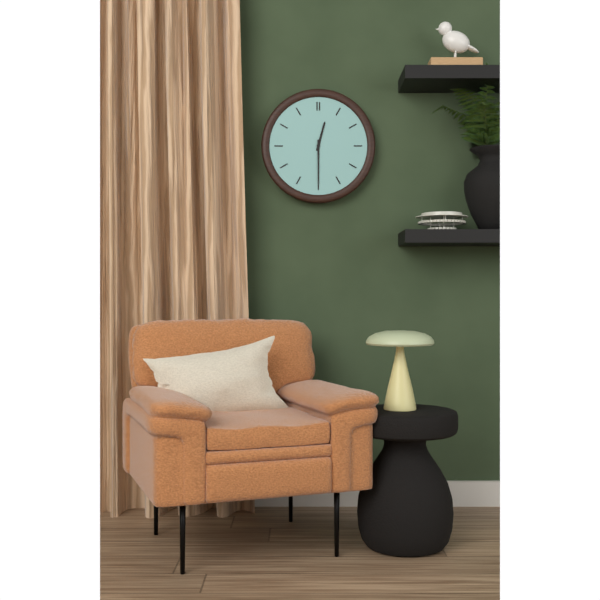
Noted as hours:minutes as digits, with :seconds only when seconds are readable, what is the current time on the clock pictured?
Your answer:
12:30
